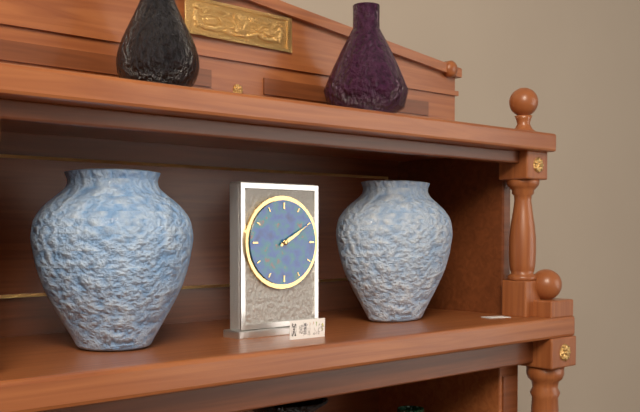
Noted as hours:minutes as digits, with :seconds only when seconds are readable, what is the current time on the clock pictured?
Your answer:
2:10
